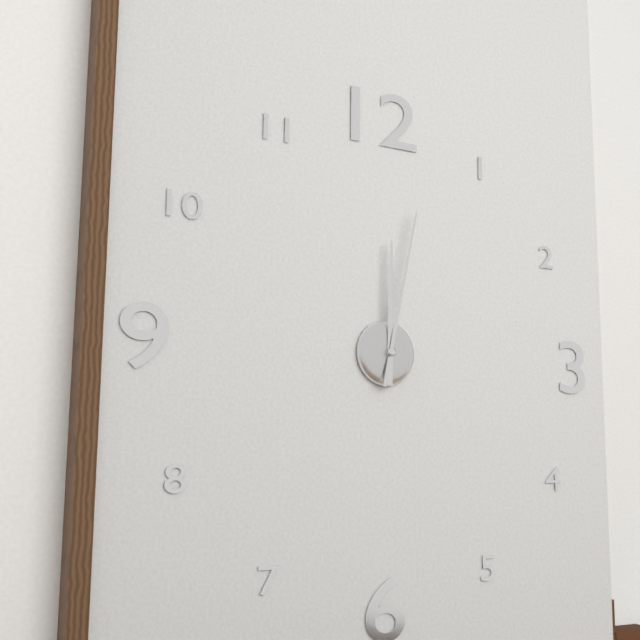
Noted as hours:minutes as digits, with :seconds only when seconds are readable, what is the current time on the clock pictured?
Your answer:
12:02
